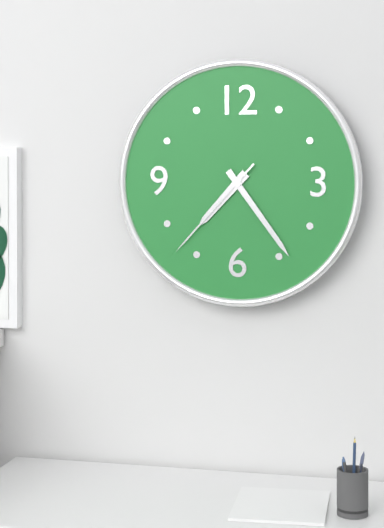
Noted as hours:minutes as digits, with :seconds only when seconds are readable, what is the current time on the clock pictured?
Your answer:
7:24:37
